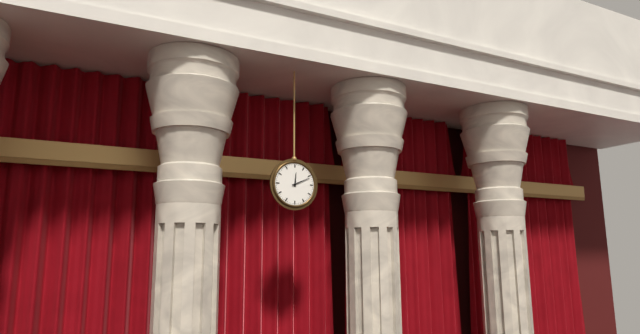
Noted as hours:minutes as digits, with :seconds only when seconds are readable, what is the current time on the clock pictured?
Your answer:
12:11
